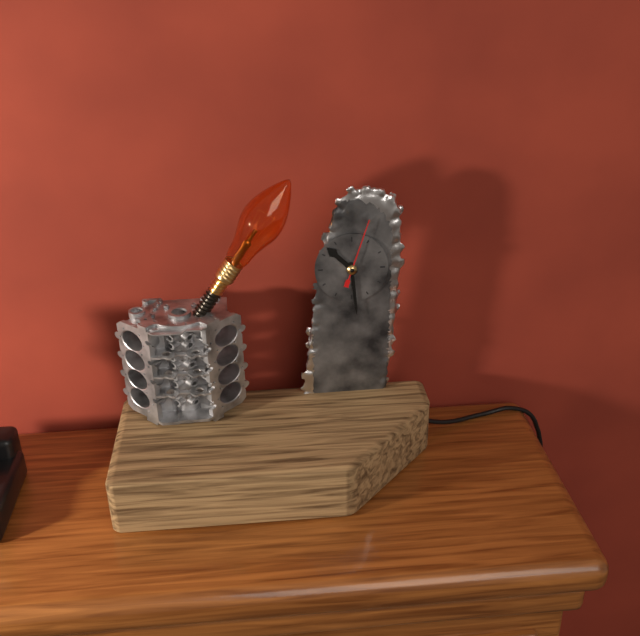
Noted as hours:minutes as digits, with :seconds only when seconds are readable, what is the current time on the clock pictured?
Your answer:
10:29:03
